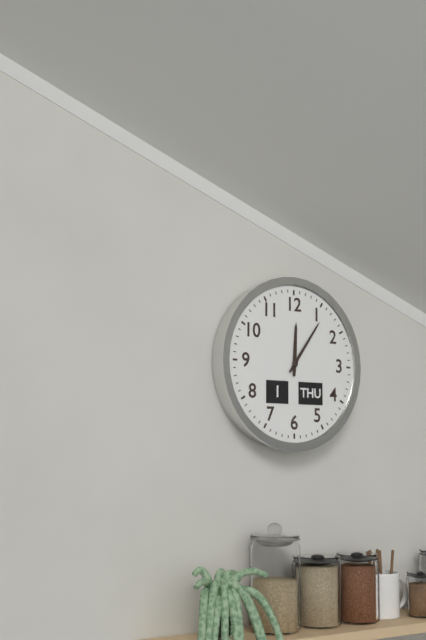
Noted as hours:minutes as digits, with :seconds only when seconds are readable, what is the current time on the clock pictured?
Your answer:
12:06
